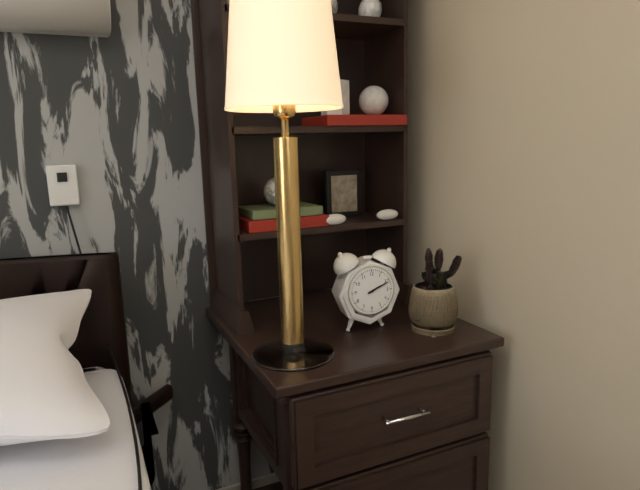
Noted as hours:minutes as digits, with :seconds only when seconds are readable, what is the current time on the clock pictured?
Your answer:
2:11
